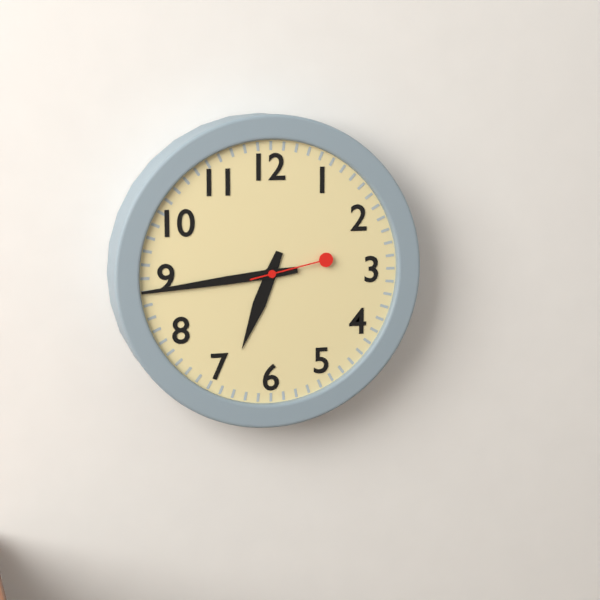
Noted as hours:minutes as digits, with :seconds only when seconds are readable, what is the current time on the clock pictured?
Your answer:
6:44:13
